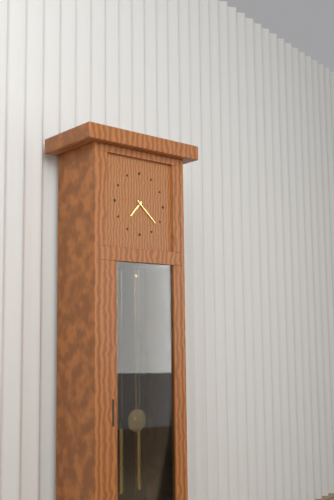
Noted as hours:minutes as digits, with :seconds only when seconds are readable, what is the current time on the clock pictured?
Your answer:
7:22
